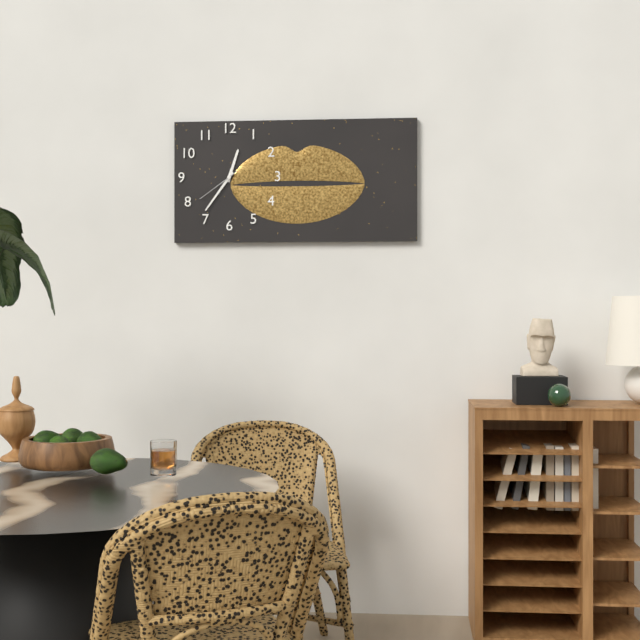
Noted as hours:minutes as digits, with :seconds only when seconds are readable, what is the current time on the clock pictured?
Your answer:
12:36
